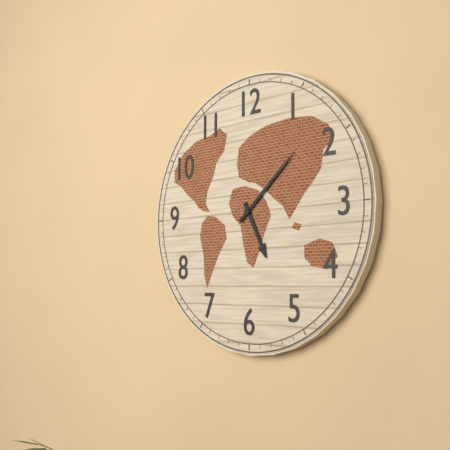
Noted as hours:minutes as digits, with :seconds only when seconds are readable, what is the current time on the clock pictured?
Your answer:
5:08
